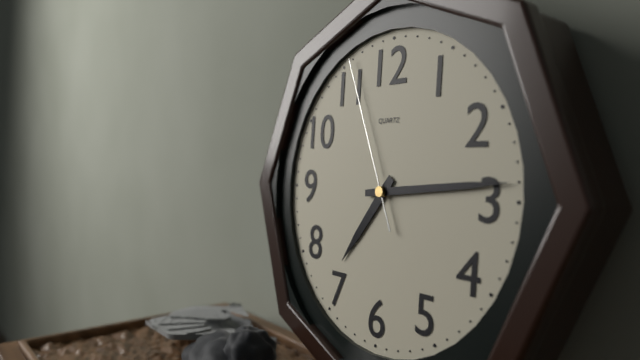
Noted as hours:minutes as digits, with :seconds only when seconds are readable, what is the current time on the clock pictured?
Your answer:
7:14:56
